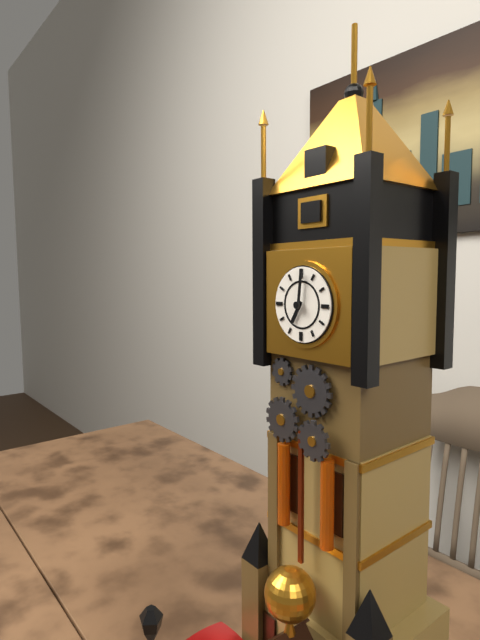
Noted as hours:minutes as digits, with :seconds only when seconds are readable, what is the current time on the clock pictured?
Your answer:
7:01
